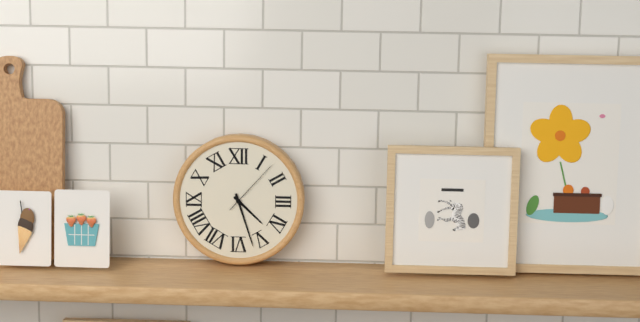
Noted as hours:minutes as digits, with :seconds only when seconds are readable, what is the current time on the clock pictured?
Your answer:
4:27:07
